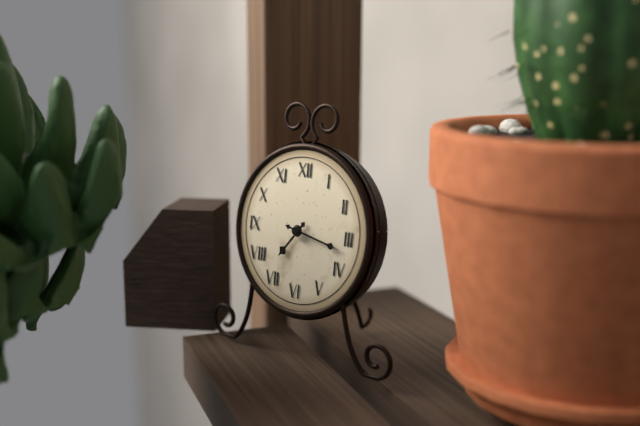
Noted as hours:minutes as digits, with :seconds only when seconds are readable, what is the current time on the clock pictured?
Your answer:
7:17
